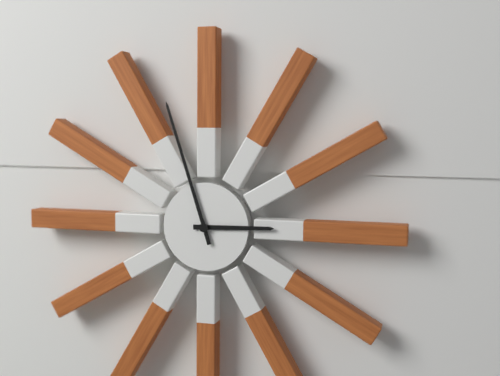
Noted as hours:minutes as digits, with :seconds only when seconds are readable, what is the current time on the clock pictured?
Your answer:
2:57
